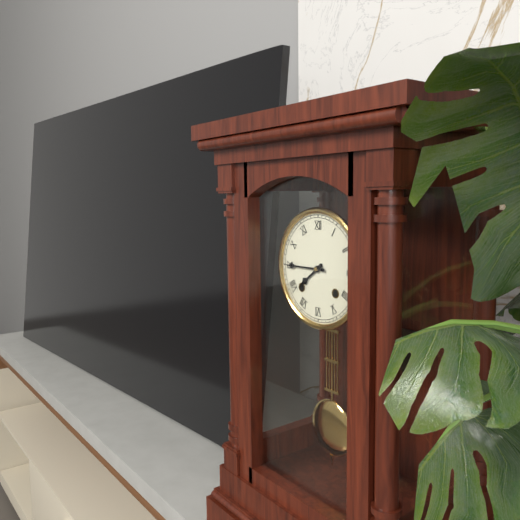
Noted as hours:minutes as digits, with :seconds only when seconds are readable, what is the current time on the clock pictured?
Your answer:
7:45
